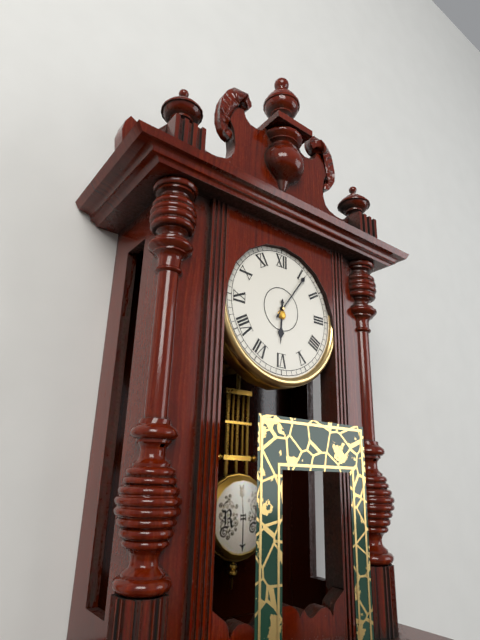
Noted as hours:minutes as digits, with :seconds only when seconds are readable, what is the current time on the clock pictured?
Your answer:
6:06
